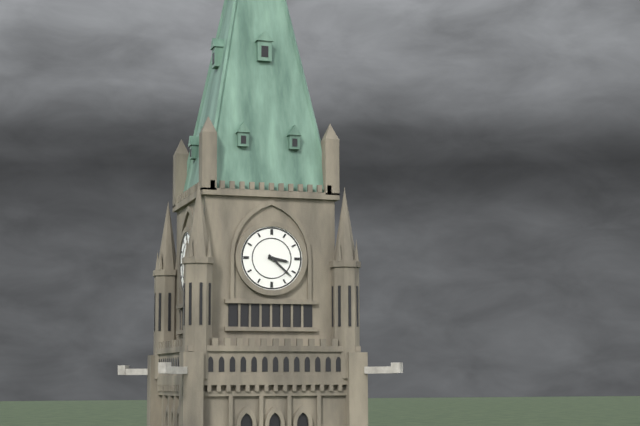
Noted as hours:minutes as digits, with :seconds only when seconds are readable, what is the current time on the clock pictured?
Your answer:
3:22
